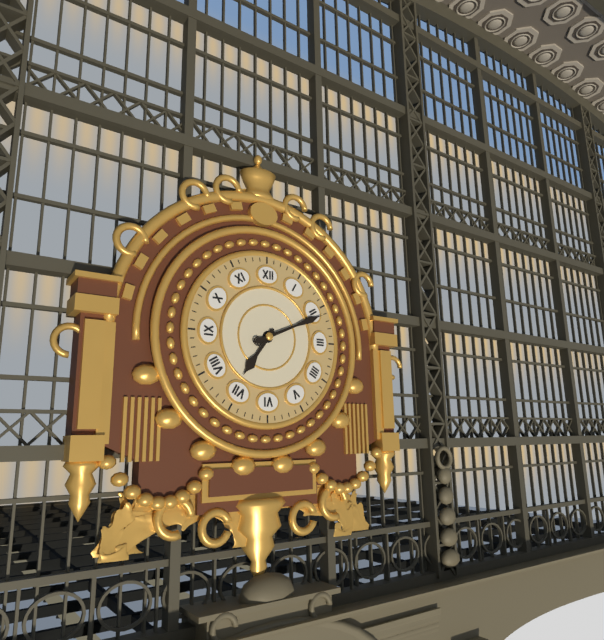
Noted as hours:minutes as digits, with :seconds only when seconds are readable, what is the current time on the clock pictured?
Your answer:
7:11
